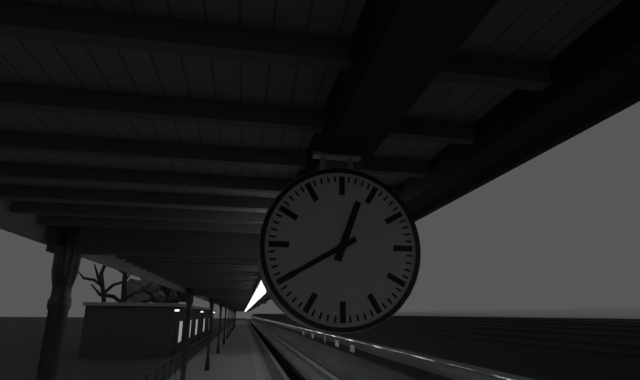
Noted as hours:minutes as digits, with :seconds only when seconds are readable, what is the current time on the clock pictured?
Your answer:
12:40
